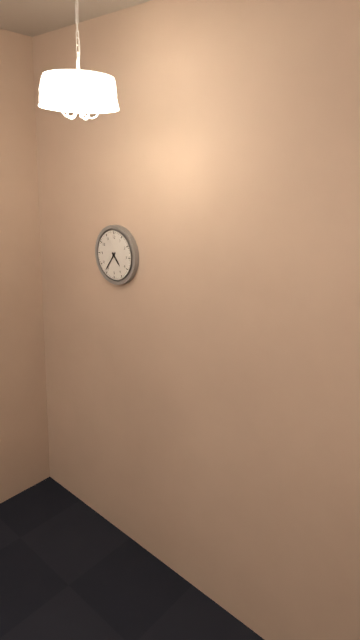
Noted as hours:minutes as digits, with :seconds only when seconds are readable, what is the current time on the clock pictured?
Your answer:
4:36
